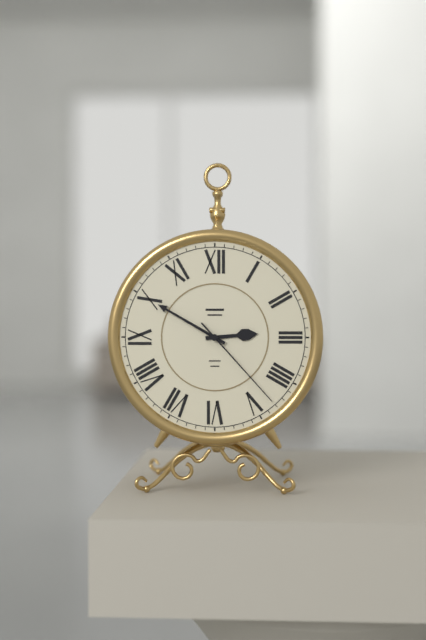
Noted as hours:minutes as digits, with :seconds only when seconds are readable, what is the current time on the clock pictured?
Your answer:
2:50:23
